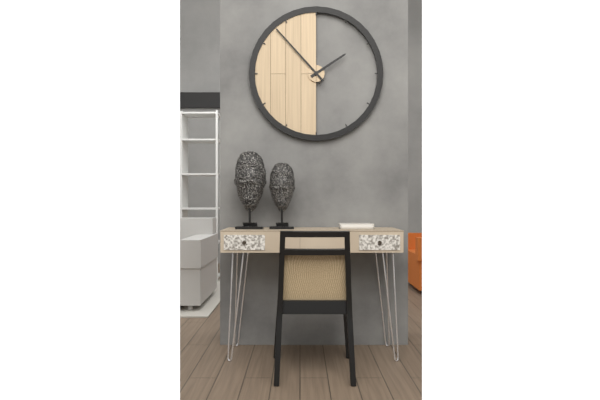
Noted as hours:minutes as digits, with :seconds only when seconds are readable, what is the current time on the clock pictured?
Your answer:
1:53
